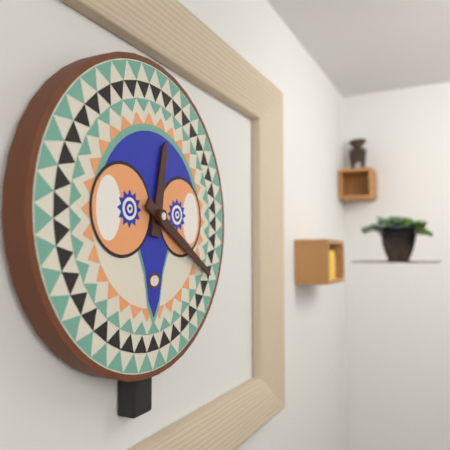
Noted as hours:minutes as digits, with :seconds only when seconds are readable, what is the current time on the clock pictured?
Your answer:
12:20
